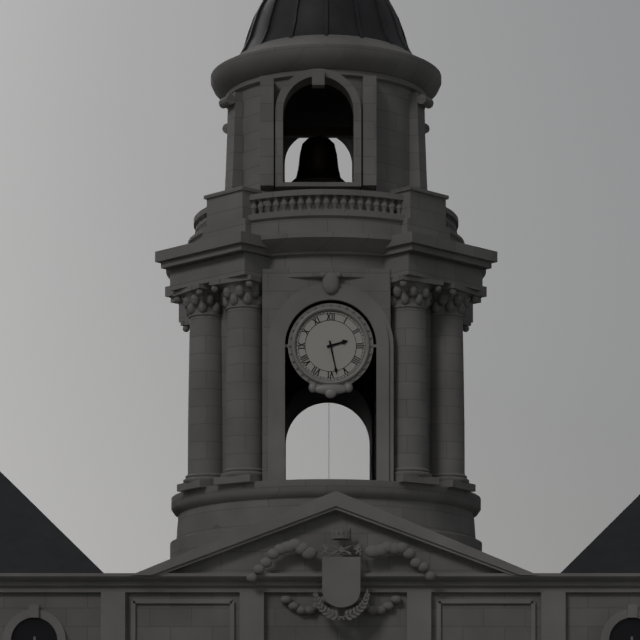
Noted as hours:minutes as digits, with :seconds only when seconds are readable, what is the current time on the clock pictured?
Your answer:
2:28
